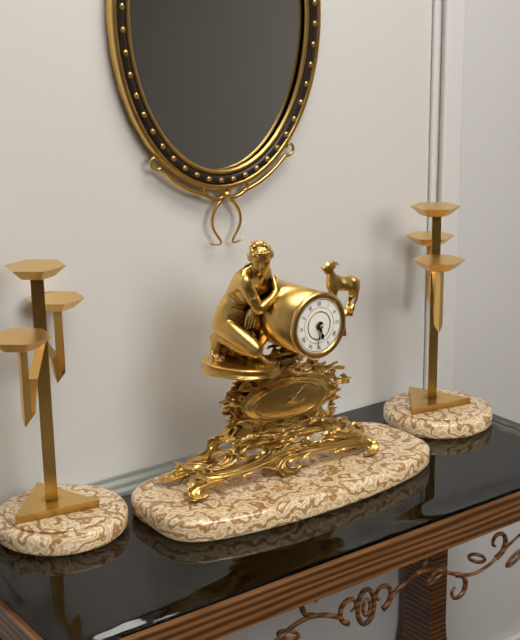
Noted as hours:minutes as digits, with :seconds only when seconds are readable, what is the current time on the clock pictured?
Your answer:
5:32
